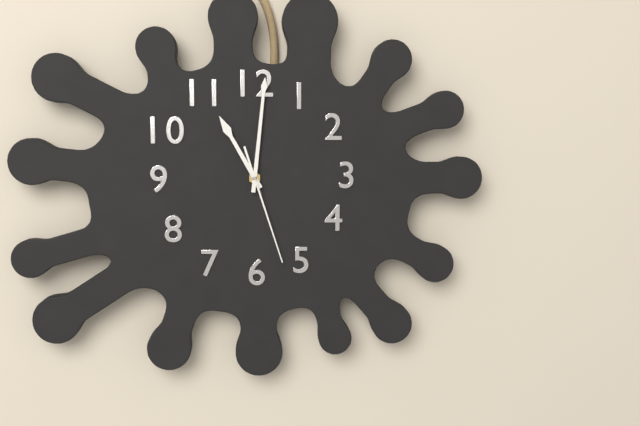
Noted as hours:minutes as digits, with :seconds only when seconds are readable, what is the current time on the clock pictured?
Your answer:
11:01:27
